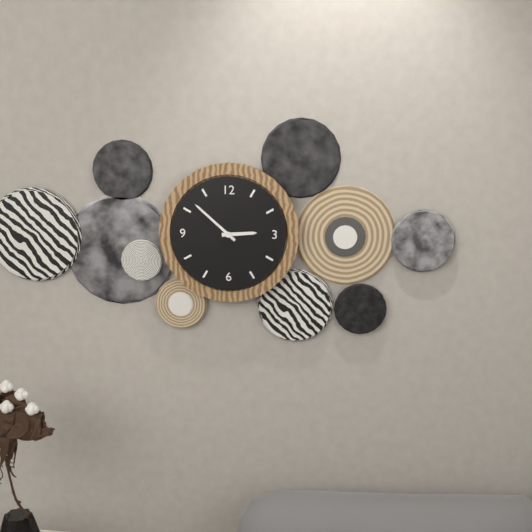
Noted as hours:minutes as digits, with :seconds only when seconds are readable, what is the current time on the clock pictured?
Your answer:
2:52
